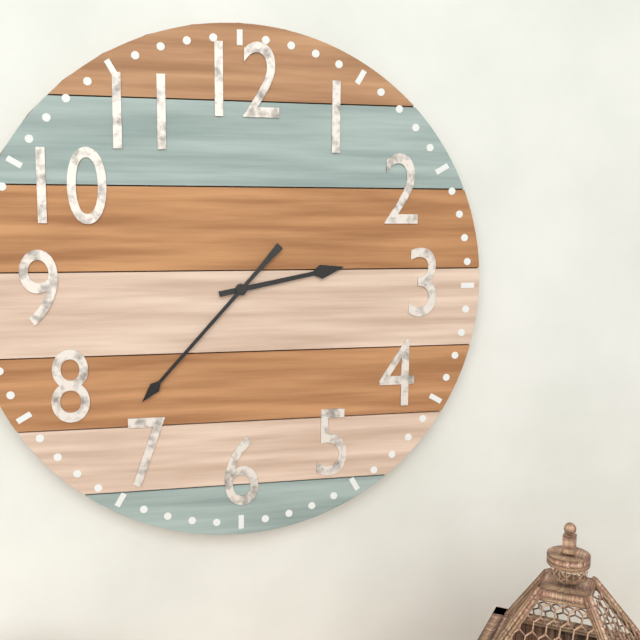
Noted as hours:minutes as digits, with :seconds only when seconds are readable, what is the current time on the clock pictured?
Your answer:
2:37
